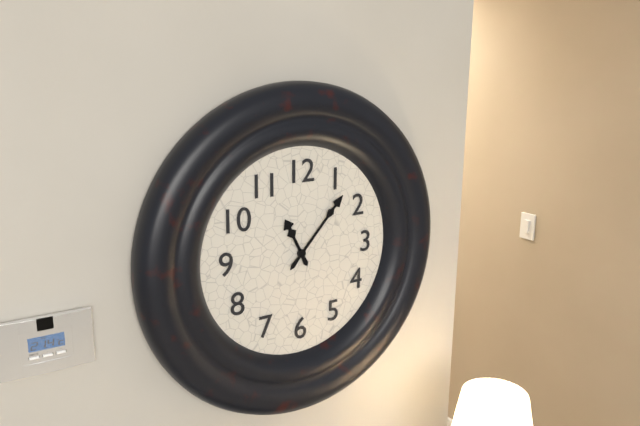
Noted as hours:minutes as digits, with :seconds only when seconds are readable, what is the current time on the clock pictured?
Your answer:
11:07
